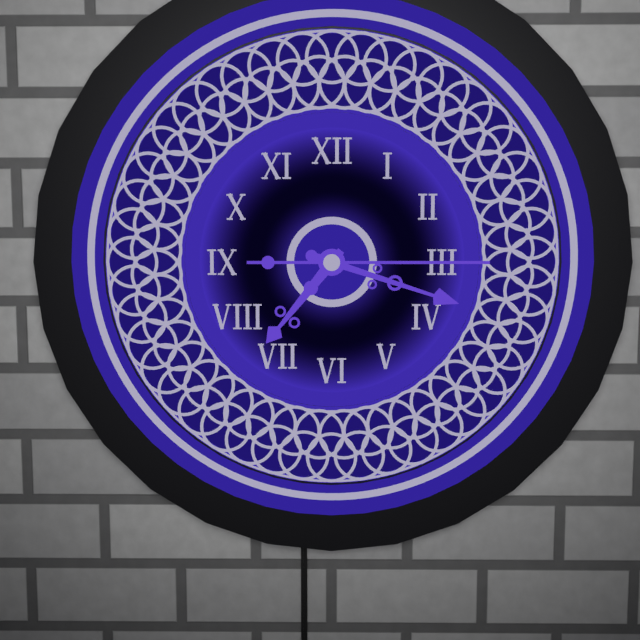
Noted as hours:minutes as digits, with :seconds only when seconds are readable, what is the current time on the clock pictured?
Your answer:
7:18:15
